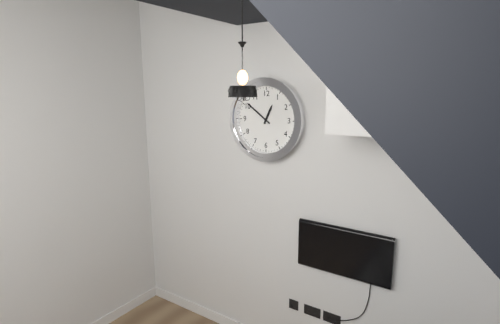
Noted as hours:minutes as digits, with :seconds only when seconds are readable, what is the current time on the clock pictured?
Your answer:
12:51
